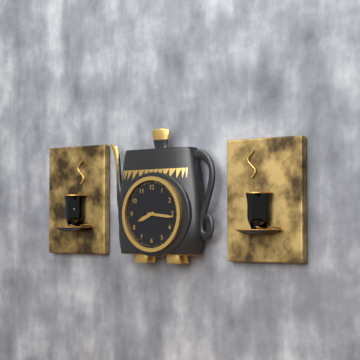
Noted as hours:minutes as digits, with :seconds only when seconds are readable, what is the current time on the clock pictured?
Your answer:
8:16
